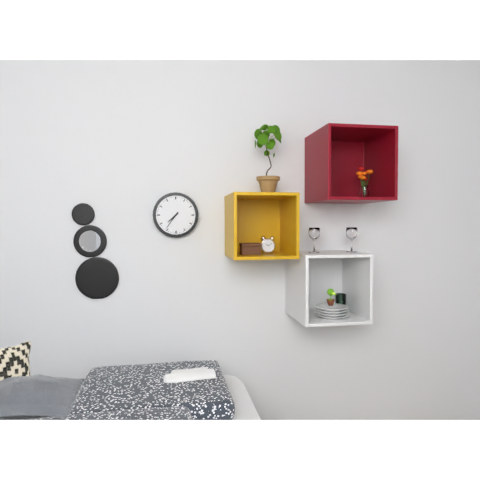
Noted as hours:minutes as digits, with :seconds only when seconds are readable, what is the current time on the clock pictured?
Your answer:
7:36
